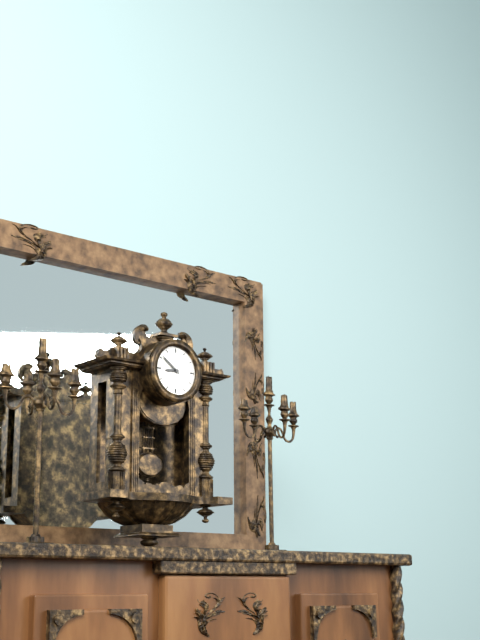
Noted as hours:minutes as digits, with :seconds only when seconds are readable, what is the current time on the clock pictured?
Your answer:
8:51
